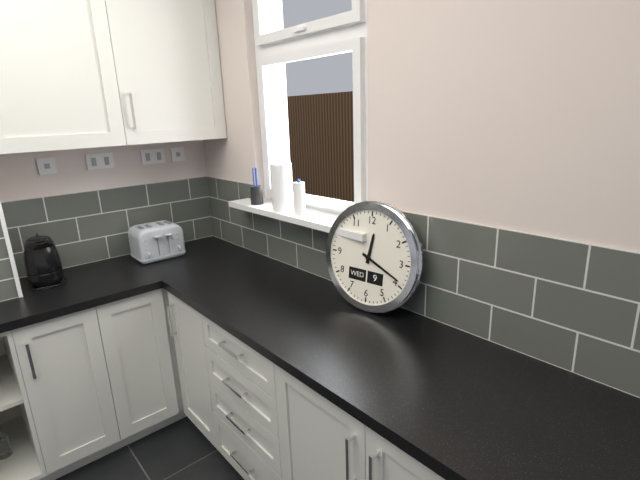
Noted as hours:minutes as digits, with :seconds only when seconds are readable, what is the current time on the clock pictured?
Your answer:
12:19
